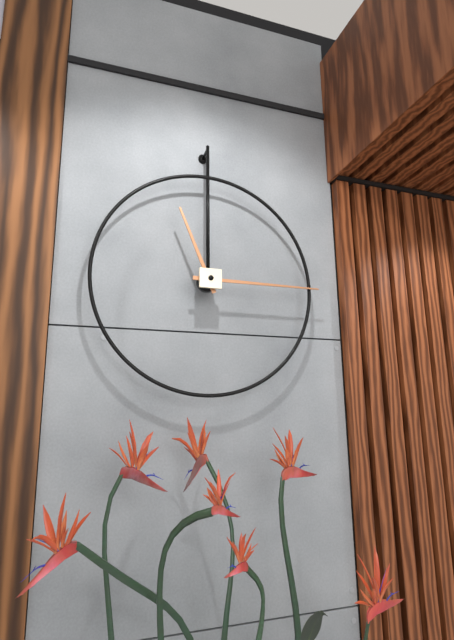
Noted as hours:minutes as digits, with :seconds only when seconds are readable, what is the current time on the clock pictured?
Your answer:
11:15
